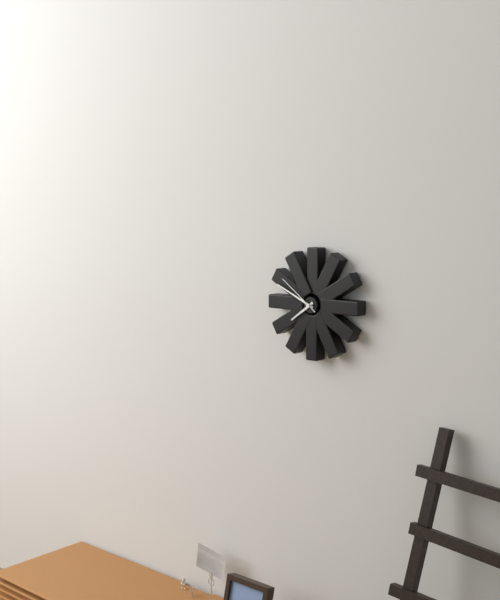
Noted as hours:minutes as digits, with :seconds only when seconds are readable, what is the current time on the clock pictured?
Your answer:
7:49
